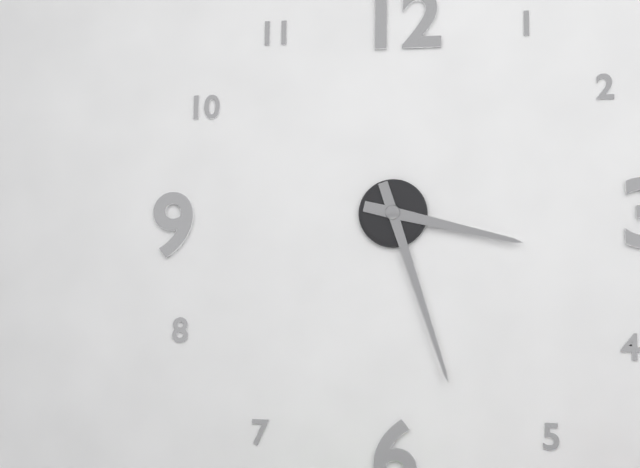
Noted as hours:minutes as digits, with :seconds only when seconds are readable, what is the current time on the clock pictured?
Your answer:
3:27
